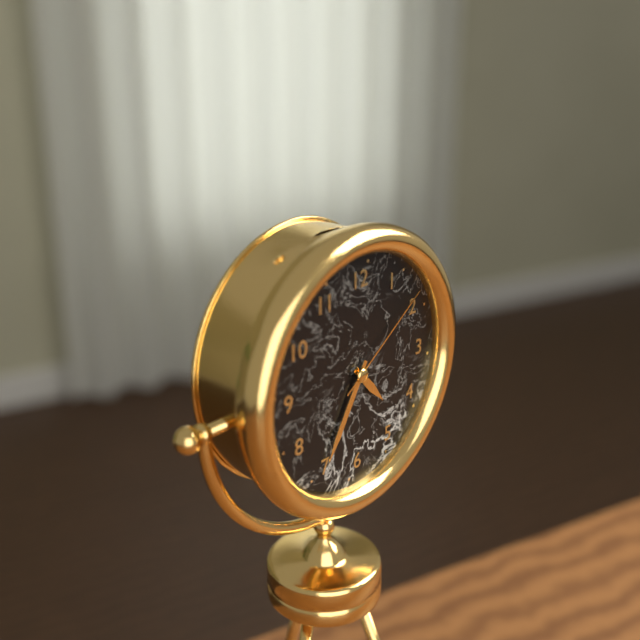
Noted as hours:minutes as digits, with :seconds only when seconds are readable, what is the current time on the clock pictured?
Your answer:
4:35:09
